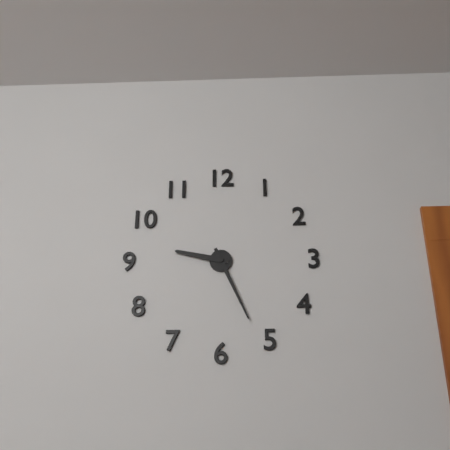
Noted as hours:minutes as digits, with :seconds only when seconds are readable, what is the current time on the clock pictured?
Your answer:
9:26
